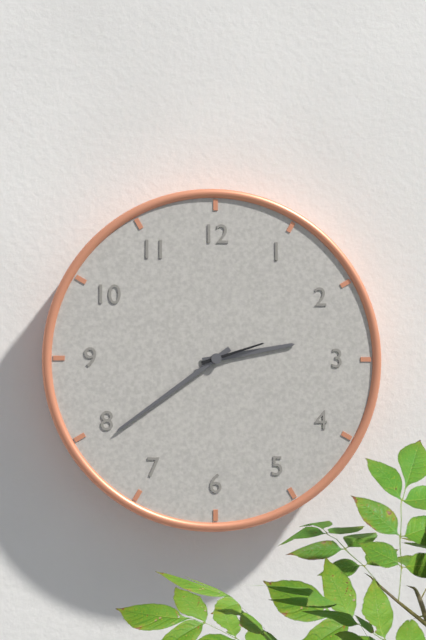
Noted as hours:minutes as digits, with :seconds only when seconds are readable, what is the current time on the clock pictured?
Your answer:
2:39:12
